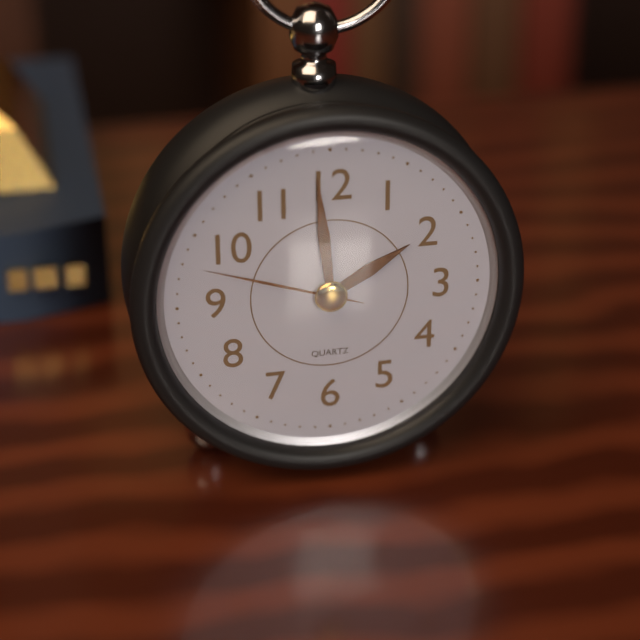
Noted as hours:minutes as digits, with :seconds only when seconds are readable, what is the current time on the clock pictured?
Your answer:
1:59:48
